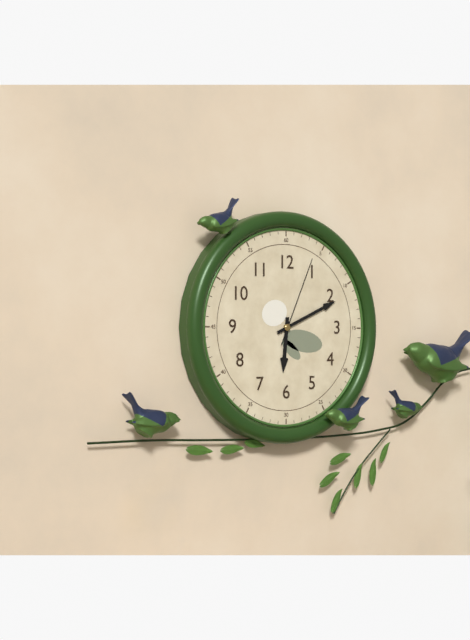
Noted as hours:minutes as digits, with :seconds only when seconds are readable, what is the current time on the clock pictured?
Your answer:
6:11:04
